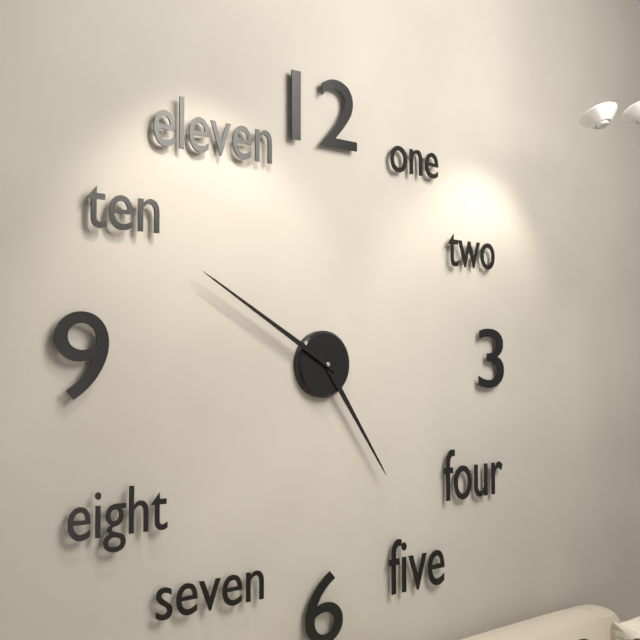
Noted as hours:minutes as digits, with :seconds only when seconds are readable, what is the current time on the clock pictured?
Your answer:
4:50
